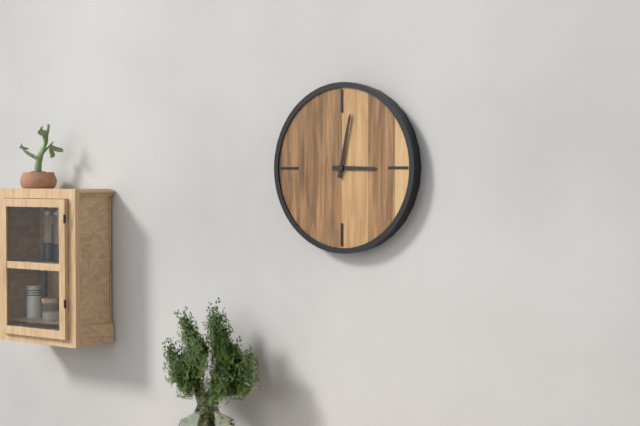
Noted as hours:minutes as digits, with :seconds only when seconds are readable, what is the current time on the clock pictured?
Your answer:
3:02
